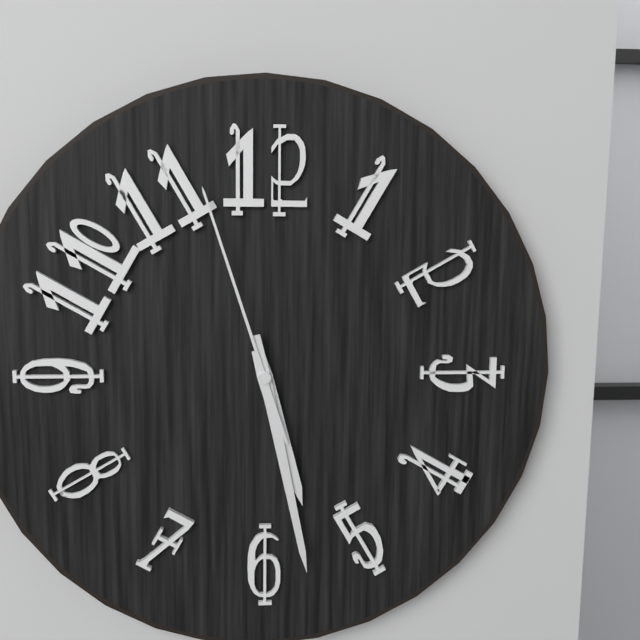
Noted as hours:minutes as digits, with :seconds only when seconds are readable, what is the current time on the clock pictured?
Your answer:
5:28:57
